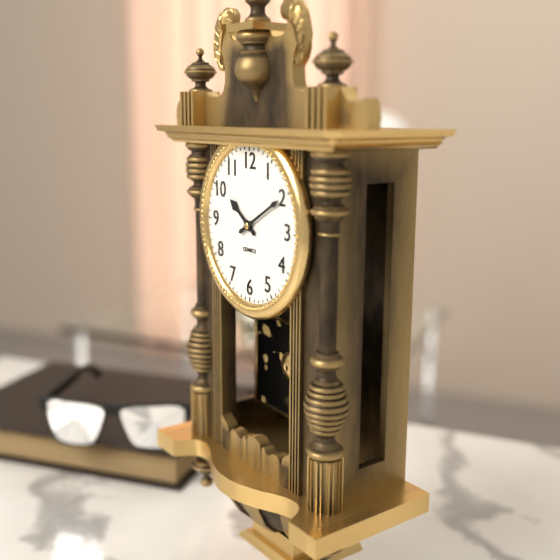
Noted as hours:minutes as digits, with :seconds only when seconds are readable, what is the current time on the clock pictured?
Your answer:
10:10
